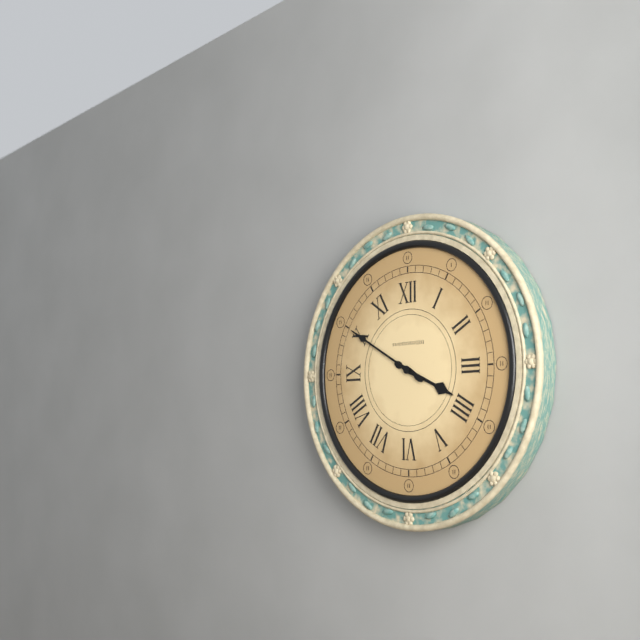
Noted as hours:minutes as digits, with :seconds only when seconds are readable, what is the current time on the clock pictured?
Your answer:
3:50
